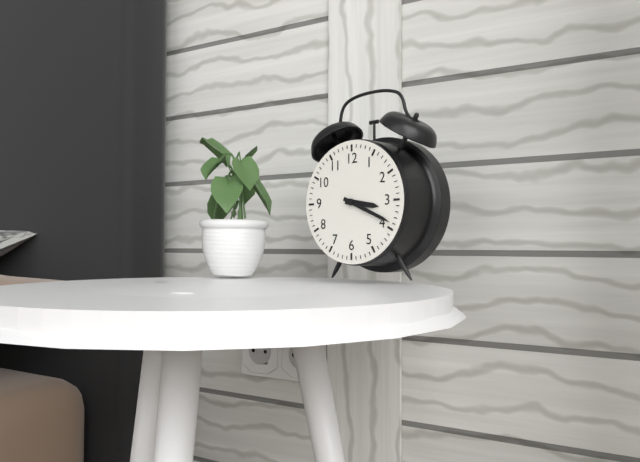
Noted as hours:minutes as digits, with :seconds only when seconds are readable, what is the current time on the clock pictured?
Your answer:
3:19
